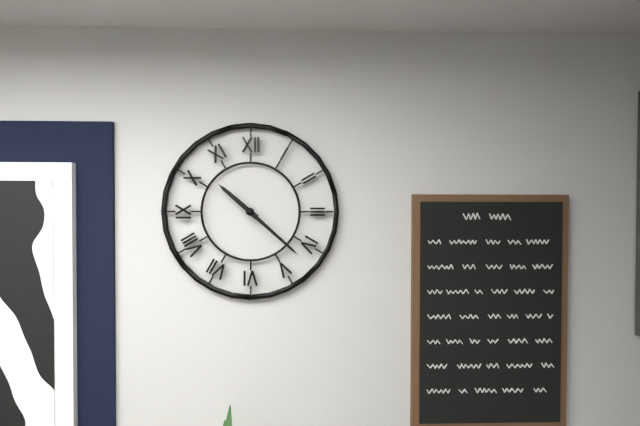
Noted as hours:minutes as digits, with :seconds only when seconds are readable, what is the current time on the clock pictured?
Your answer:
10:22
